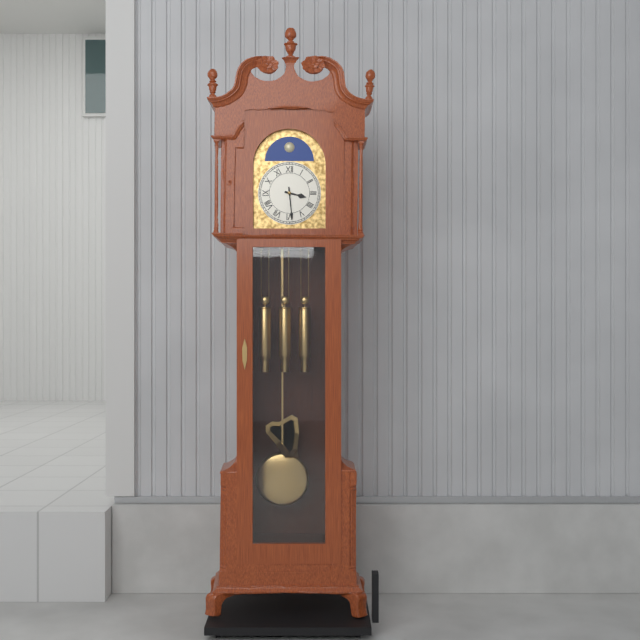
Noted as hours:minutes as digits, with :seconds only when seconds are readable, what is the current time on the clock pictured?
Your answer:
3:29
